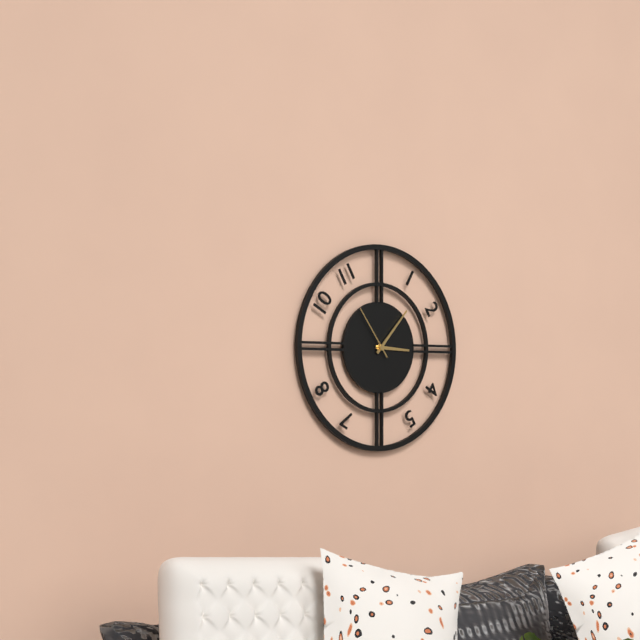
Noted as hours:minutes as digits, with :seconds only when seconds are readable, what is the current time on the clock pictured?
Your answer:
3:07:54
